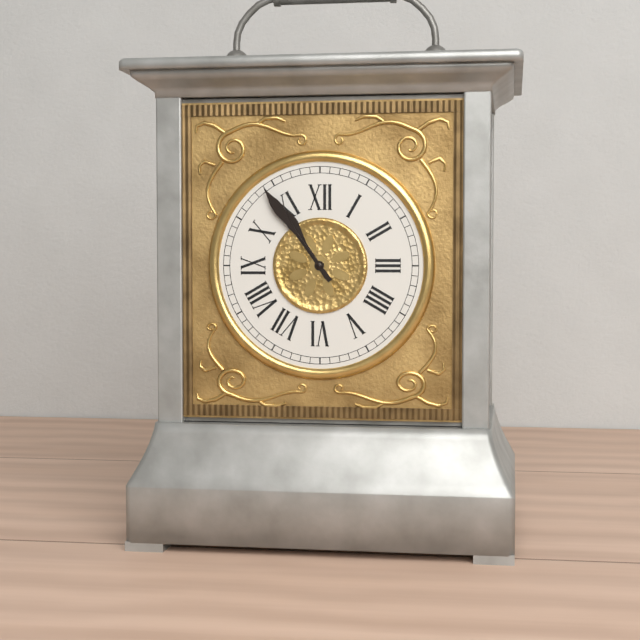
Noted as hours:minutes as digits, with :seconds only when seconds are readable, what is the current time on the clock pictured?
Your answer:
10:54
